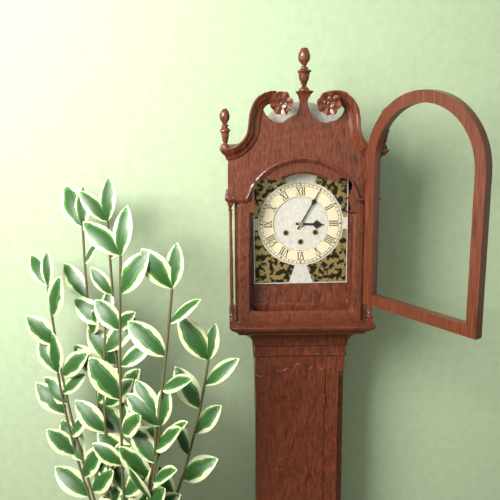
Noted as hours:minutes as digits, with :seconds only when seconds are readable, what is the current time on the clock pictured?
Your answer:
3:05
